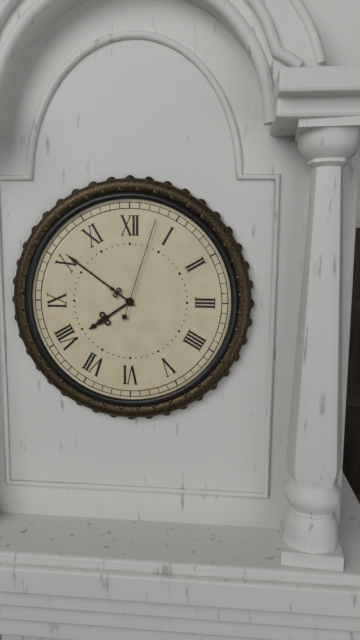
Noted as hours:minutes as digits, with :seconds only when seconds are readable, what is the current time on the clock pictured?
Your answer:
7:51:03
